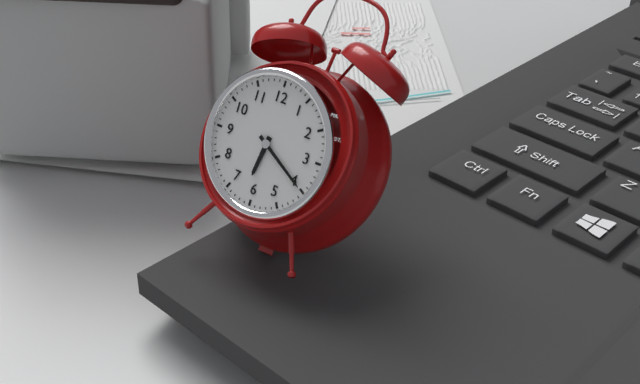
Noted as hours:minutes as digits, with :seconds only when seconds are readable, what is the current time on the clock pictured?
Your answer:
6:20
